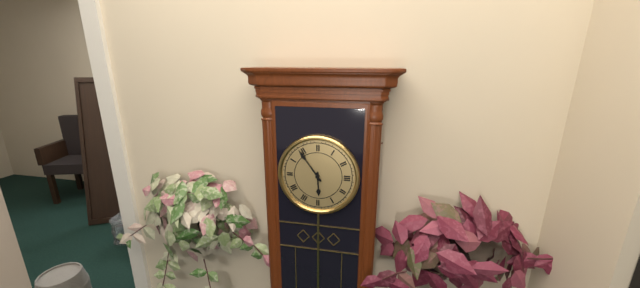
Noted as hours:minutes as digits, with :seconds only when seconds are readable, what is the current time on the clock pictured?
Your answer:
5:54
